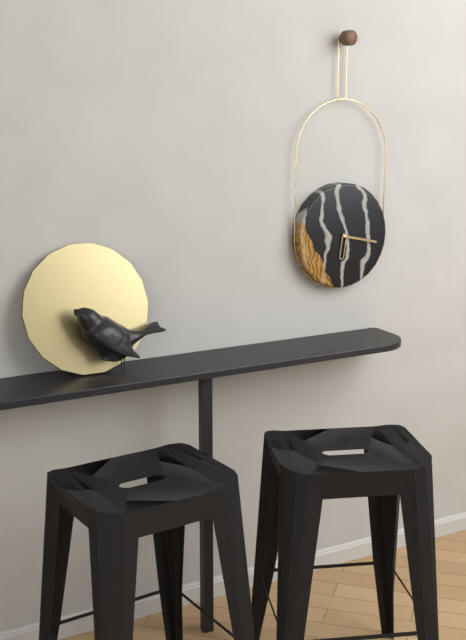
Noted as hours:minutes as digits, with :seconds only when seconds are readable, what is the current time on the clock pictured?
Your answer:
6:17
